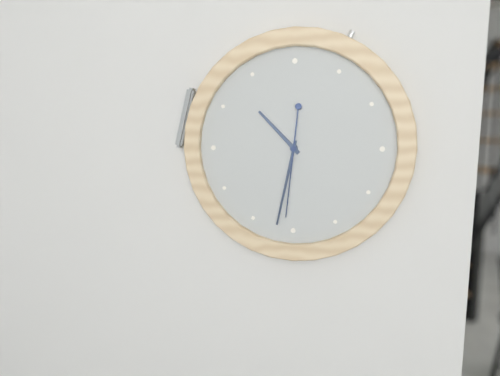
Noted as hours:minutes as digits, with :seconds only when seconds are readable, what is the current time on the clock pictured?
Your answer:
10:32:31
